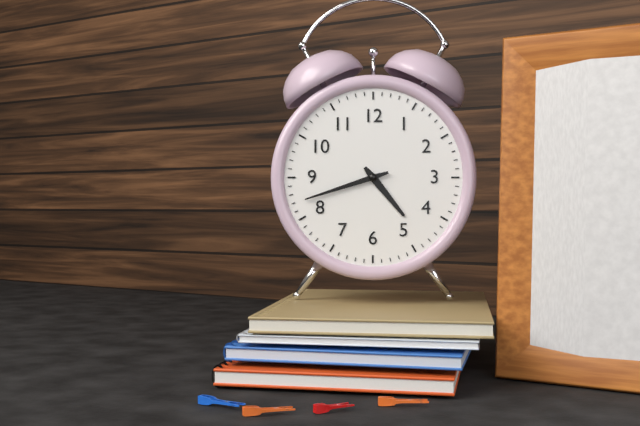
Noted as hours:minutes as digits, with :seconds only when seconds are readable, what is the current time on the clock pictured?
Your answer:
4:42
